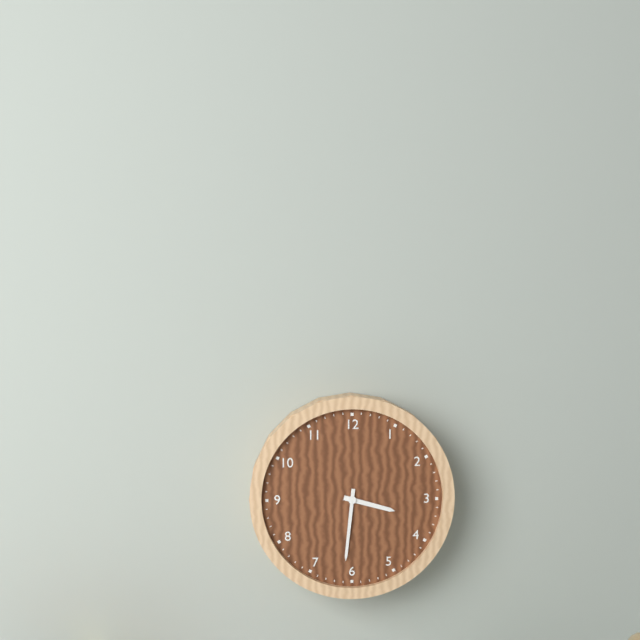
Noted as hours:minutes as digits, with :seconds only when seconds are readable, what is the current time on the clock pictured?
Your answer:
3:31
